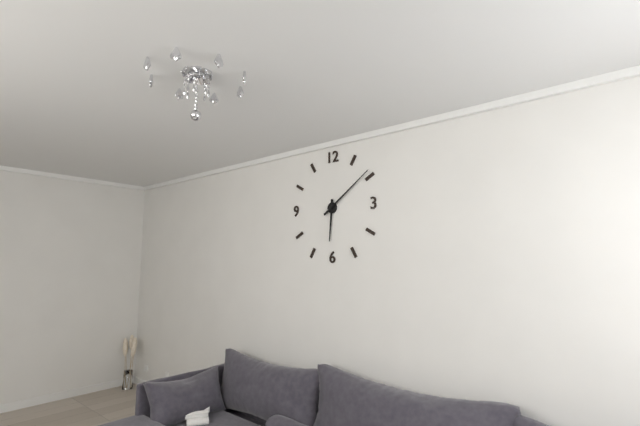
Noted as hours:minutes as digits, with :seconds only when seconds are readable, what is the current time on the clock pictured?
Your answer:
6:09
